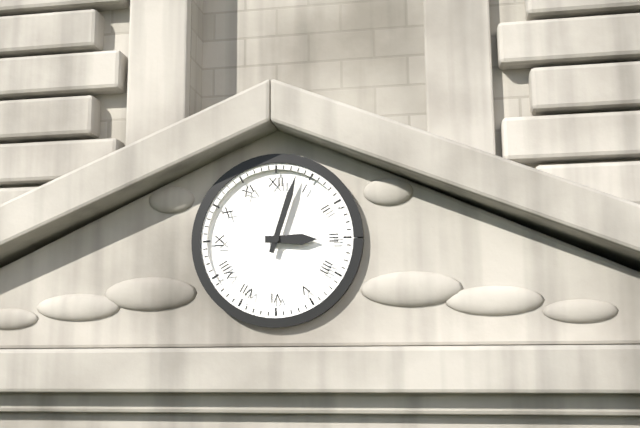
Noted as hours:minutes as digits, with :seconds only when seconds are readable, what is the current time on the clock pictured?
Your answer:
3:03
